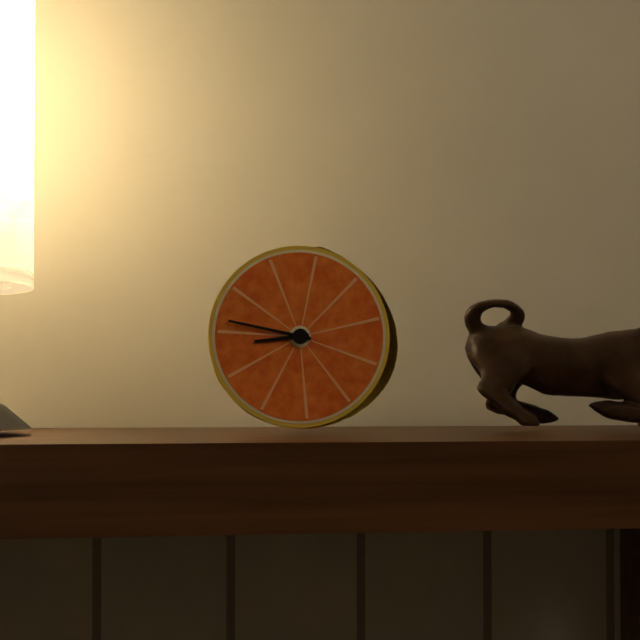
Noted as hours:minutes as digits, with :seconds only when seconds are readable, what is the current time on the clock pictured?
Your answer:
8:47
